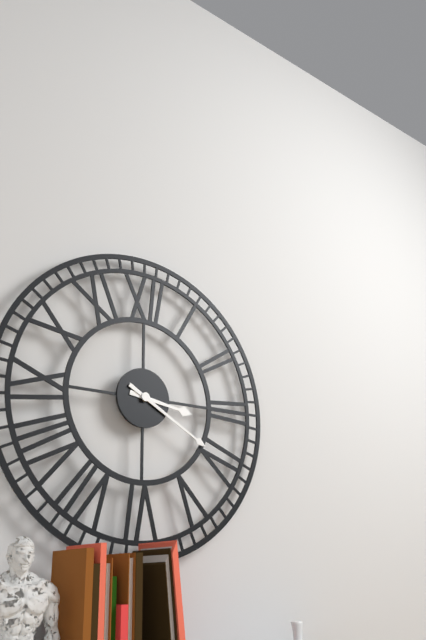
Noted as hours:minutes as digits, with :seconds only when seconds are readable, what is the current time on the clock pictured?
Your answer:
3:20
